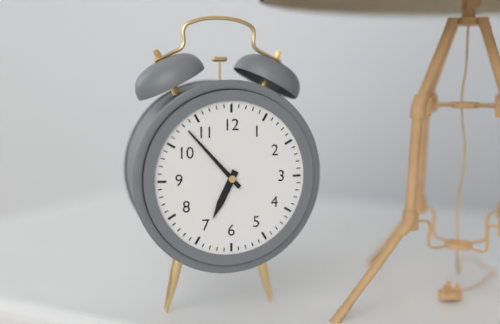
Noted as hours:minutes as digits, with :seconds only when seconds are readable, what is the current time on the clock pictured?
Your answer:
6:53
